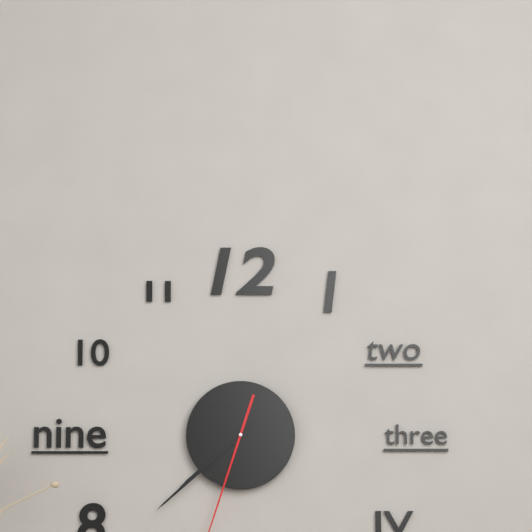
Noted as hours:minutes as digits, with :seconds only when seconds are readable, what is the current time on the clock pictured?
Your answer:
7:38
